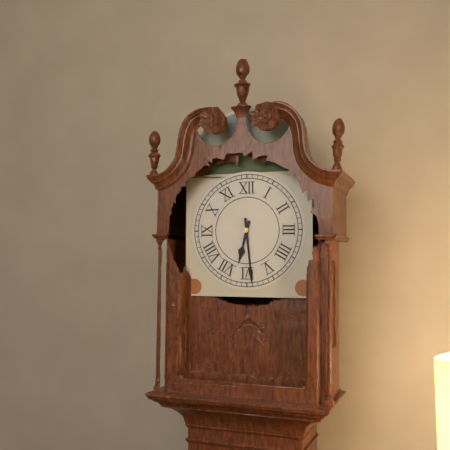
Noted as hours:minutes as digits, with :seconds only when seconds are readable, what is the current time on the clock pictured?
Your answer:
6:29
